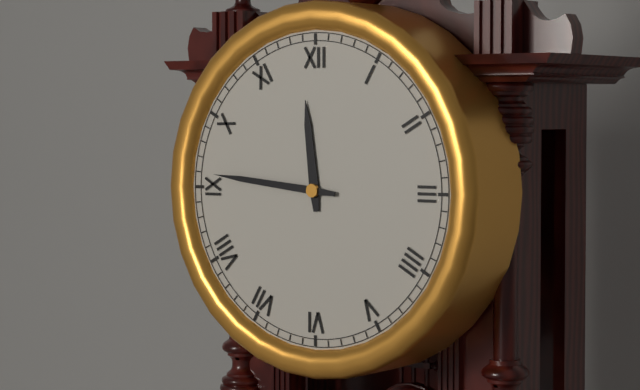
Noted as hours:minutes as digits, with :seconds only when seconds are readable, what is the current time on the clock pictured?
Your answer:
11:46
